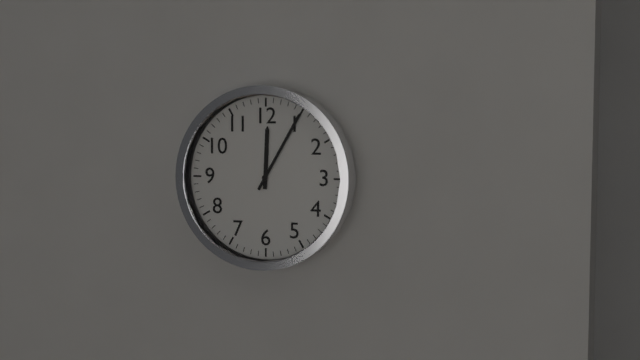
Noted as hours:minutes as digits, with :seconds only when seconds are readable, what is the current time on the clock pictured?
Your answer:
12:05
